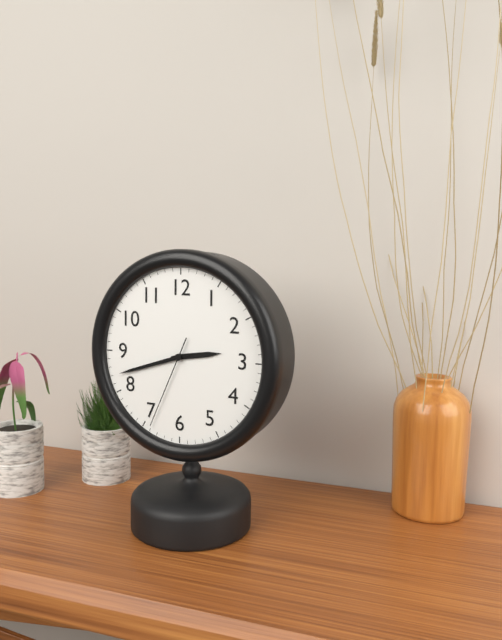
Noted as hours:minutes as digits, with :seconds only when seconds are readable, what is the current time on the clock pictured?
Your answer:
2:42:34
